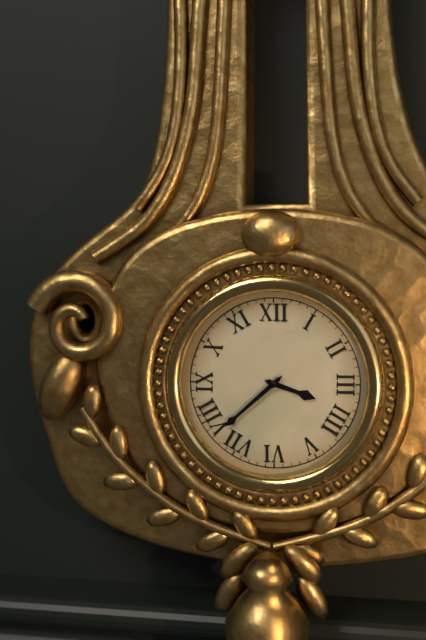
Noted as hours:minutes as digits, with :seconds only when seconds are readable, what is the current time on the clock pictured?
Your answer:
3:38
